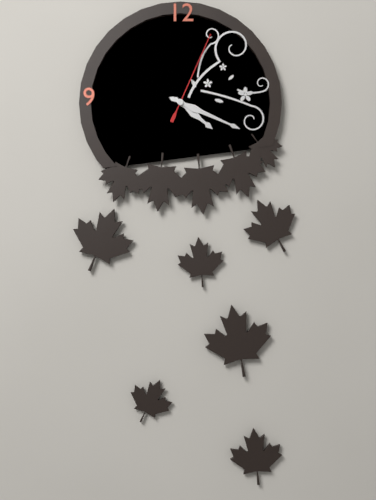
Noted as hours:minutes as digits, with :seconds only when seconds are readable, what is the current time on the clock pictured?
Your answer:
4:19:04
